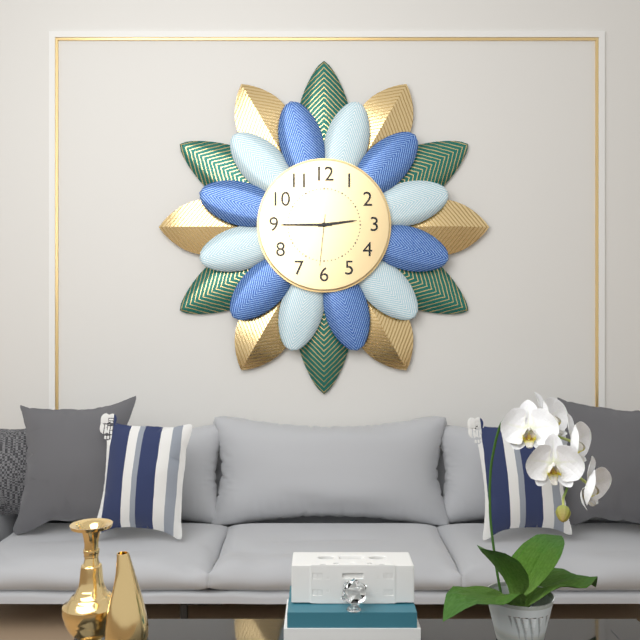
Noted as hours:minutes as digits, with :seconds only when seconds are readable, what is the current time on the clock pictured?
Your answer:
2:45:31
